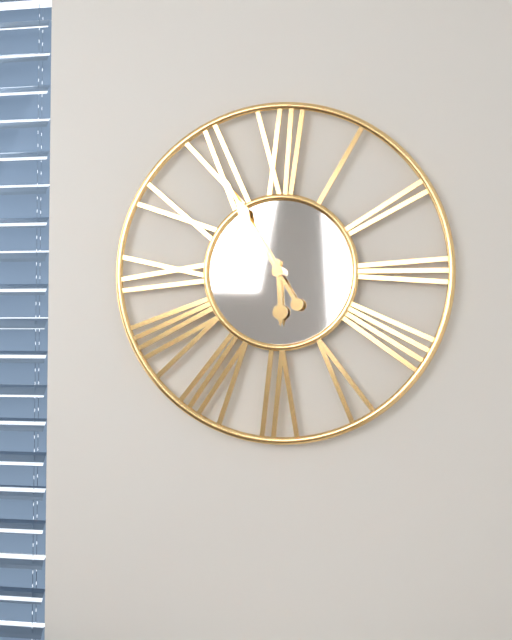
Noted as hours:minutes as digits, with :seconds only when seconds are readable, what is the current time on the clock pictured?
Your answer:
5:55
